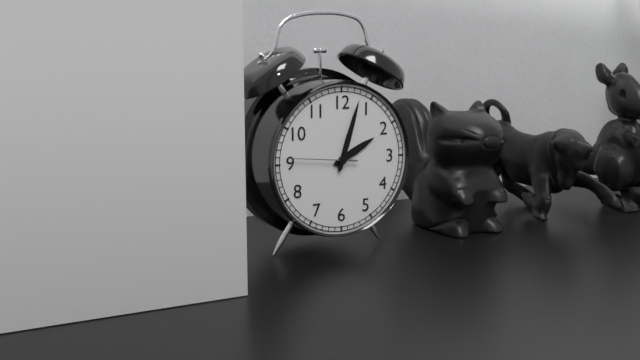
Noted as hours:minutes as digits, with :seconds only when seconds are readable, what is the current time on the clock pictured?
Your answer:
2:03:46
